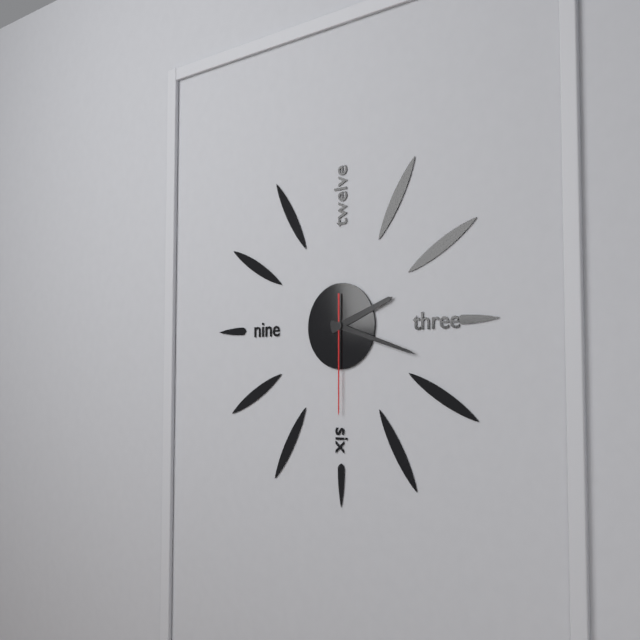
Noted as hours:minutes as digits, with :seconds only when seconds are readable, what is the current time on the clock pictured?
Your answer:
2:18:30
